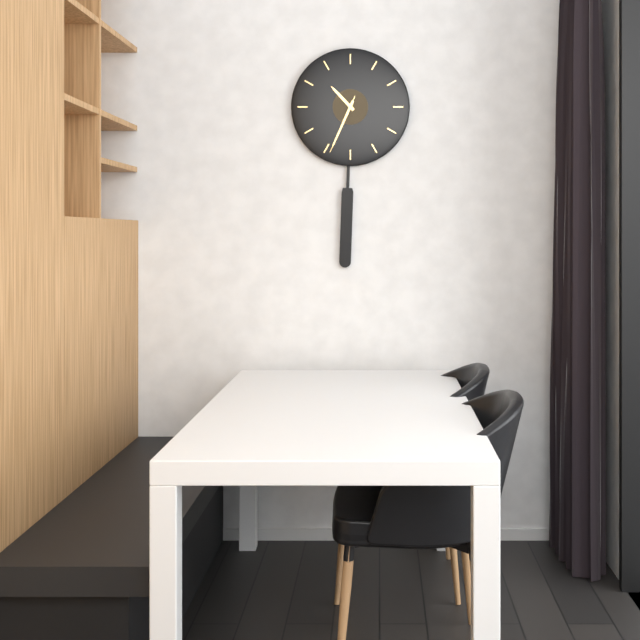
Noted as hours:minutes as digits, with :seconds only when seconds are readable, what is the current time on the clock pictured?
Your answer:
10:34:34
